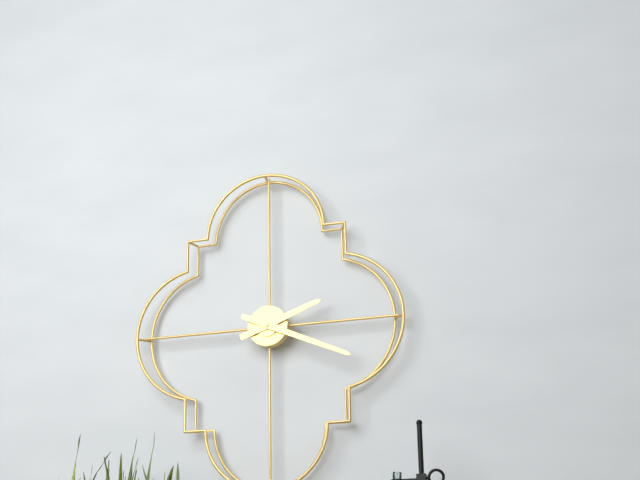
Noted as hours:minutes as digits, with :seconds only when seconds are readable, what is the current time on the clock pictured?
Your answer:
2:19
